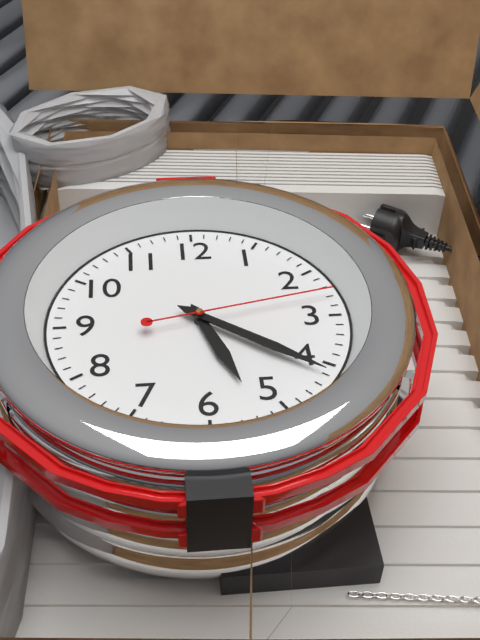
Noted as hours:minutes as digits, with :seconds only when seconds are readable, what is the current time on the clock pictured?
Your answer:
5:21:13
